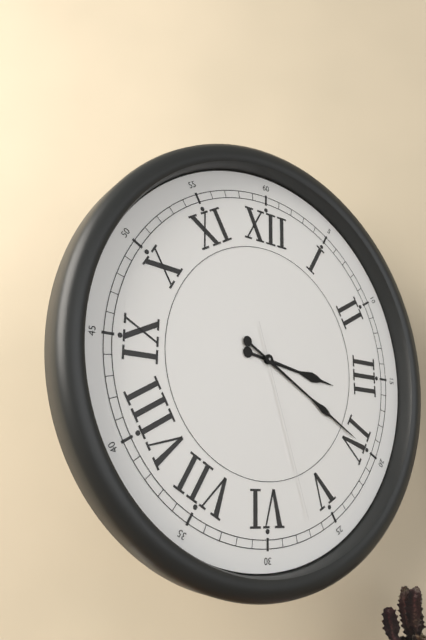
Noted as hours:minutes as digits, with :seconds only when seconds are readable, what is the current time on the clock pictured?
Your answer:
3:20:27
